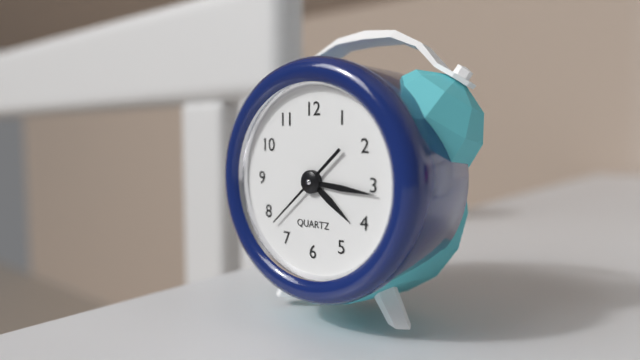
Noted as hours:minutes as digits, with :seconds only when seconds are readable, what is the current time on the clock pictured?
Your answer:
4:16:38
